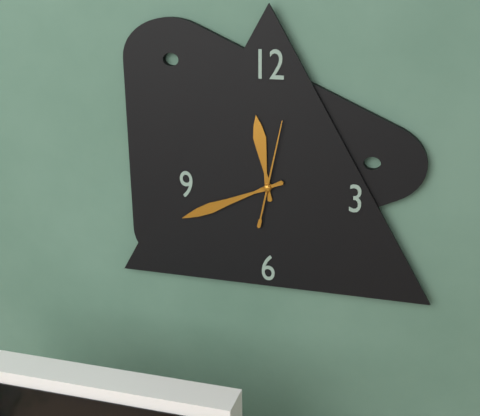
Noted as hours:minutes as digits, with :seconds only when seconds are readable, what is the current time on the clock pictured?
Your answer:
11:41:02
